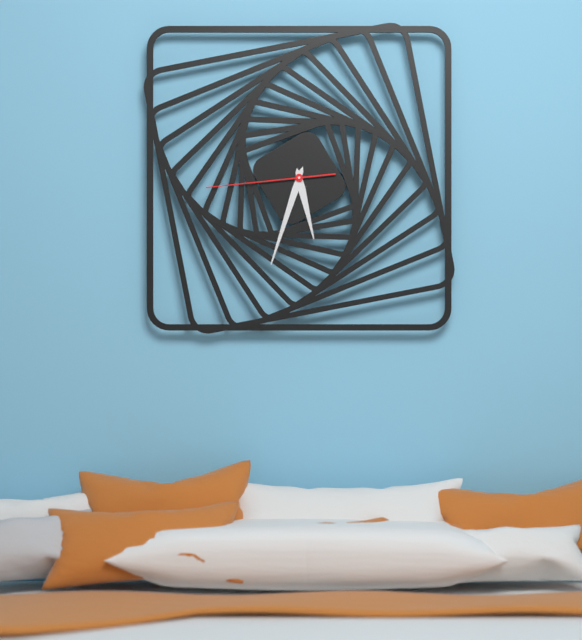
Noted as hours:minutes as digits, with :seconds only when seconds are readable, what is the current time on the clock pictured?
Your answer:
5:33:44
